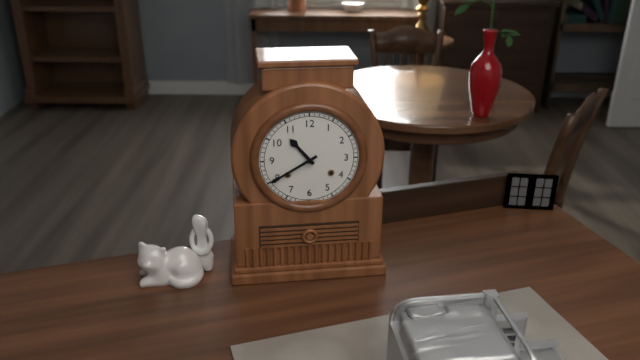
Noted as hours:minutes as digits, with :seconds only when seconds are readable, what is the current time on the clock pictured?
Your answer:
10:40
